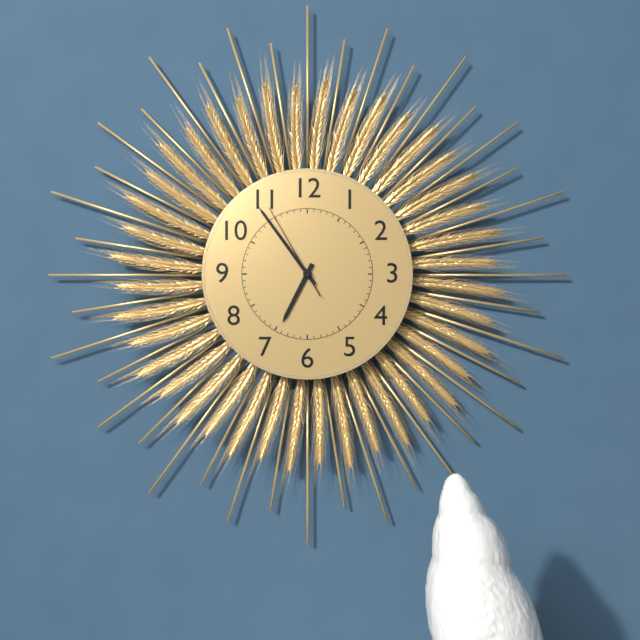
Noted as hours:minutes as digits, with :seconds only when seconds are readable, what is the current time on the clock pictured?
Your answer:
6:54:55
